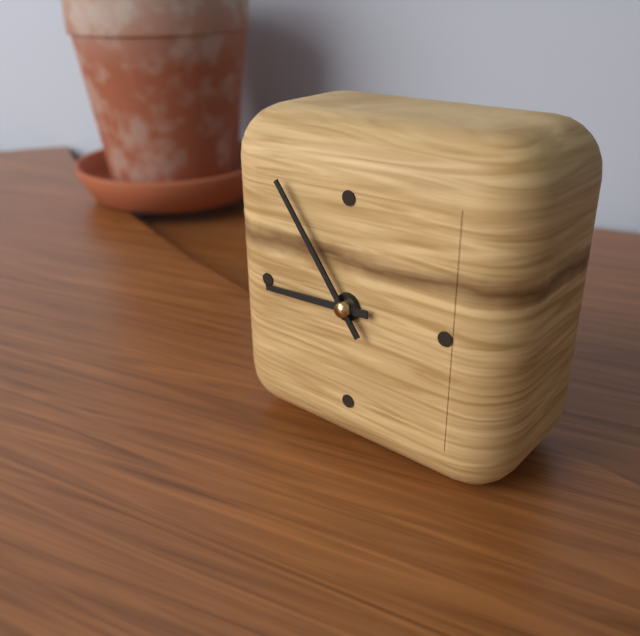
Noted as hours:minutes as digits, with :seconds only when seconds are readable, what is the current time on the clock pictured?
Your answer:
8:54
